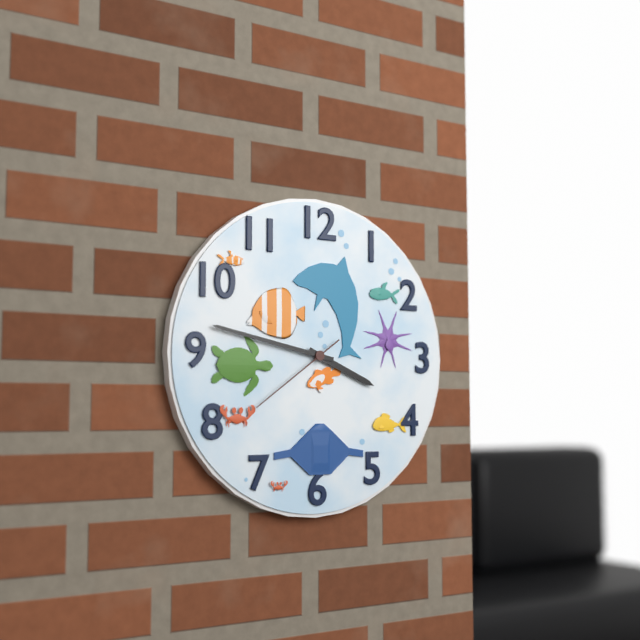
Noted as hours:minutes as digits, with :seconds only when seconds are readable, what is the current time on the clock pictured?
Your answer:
3:47:39
